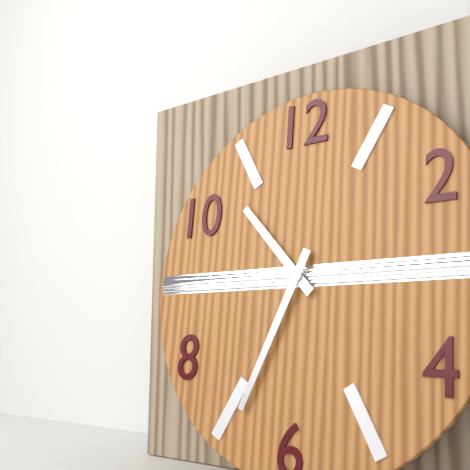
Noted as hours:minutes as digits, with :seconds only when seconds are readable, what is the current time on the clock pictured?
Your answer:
10:34
